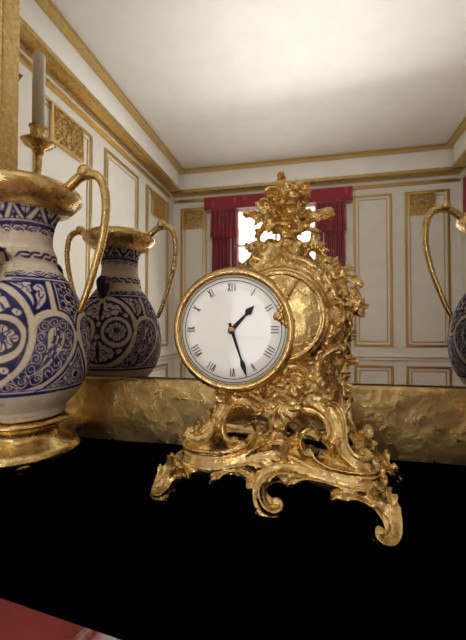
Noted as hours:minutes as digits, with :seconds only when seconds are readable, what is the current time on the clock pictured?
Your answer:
1:27
